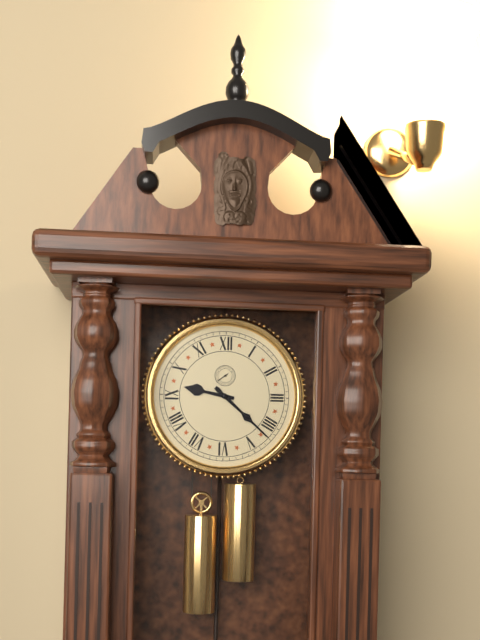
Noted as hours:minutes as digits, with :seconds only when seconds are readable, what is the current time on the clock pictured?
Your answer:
9:22
